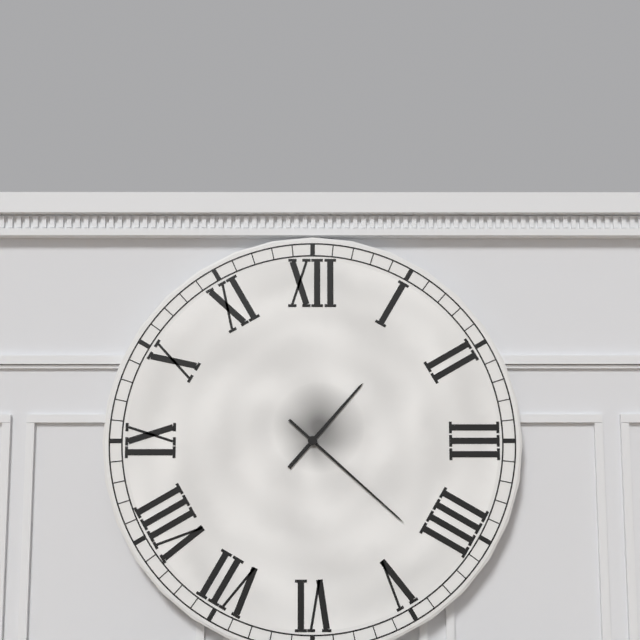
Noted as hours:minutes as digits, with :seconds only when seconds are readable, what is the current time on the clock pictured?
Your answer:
1:22
